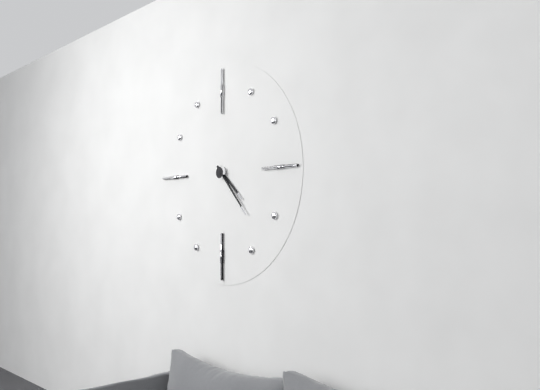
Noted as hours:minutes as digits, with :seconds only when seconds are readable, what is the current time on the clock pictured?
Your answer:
4:23
